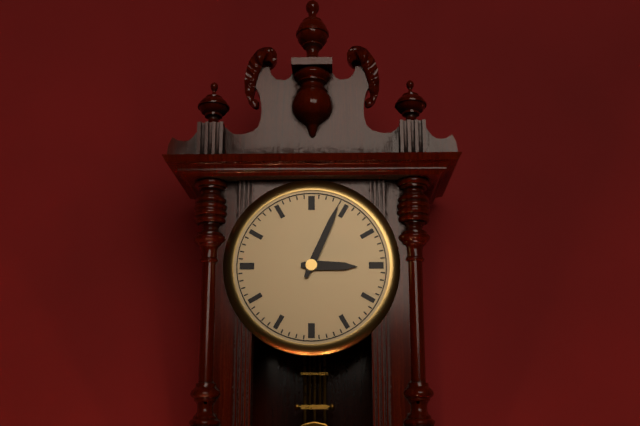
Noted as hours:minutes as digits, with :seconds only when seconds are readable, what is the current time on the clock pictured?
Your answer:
3:04
